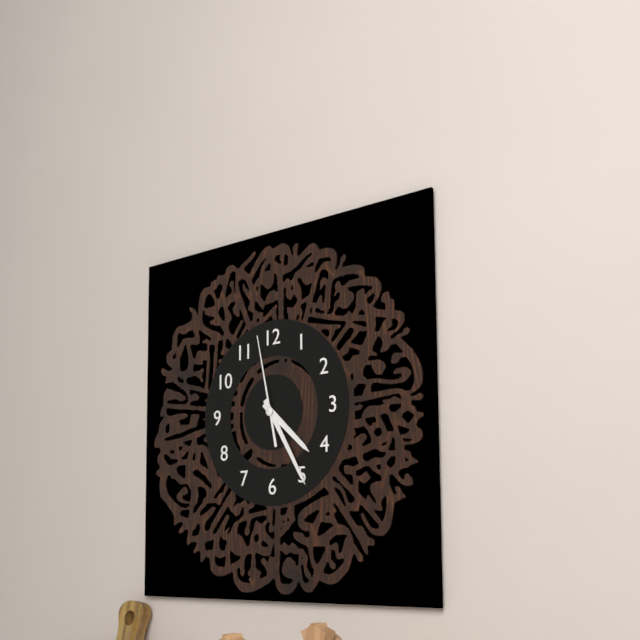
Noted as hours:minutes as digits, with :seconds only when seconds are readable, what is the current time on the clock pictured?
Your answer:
4:25:58
